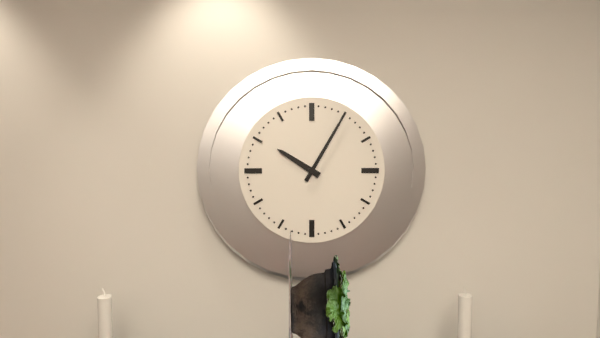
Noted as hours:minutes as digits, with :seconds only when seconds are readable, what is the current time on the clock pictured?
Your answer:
10:05
